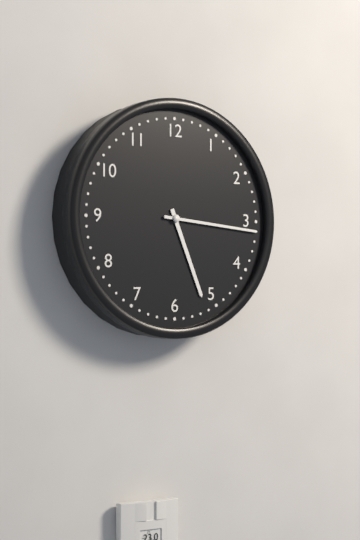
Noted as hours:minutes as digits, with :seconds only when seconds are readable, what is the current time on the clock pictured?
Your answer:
5:16
